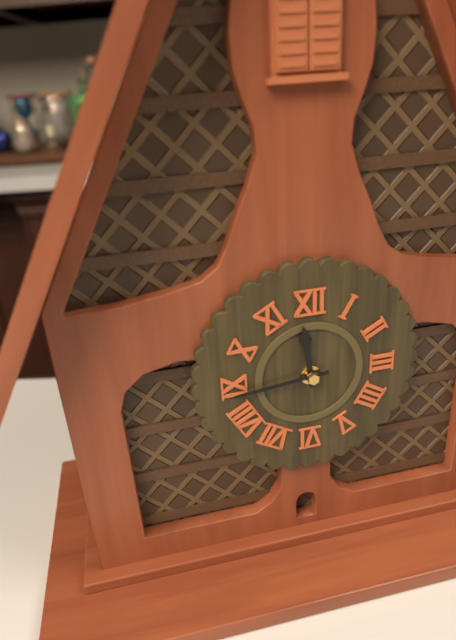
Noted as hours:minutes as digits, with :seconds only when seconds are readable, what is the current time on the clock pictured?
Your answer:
11:44
